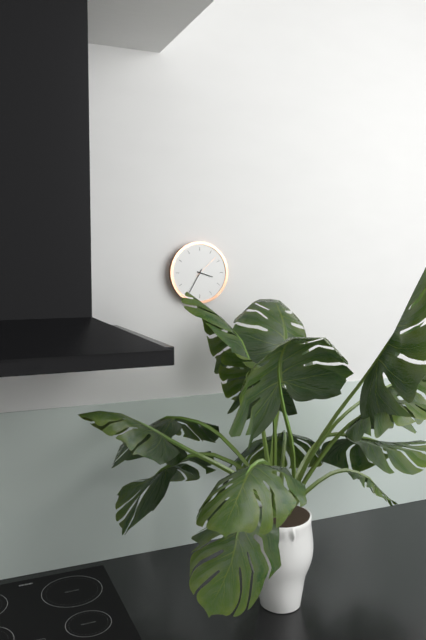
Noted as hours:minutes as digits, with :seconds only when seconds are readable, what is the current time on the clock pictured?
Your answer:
3:35
